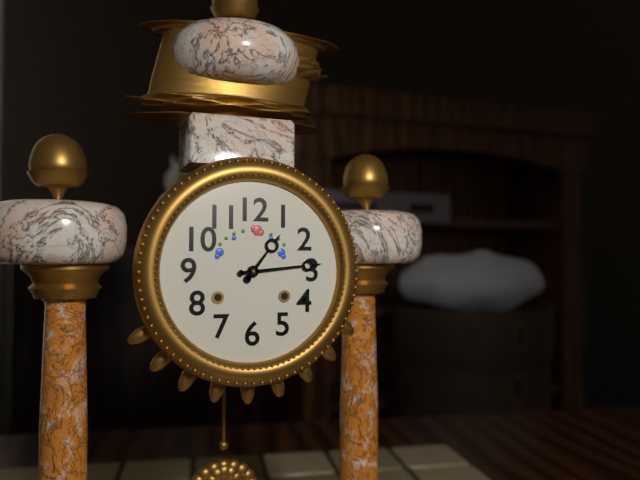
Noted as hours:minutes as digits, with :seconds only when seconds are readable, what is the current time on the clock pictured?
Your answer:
1:14
